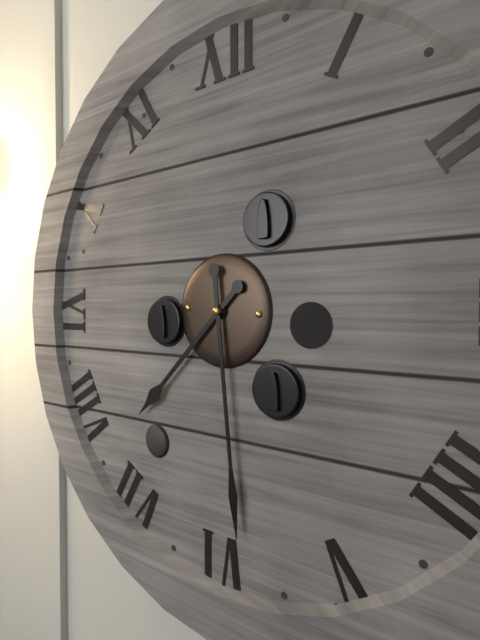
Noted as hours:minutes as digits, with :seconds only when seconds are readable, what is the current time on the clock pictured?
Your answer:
7:29
